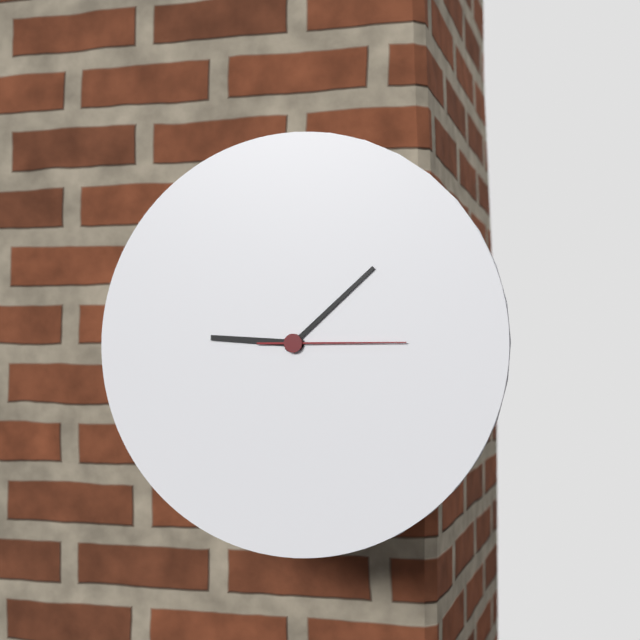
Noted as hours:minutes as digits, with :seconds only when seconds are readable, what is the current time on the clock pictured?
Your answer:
9:08:15
